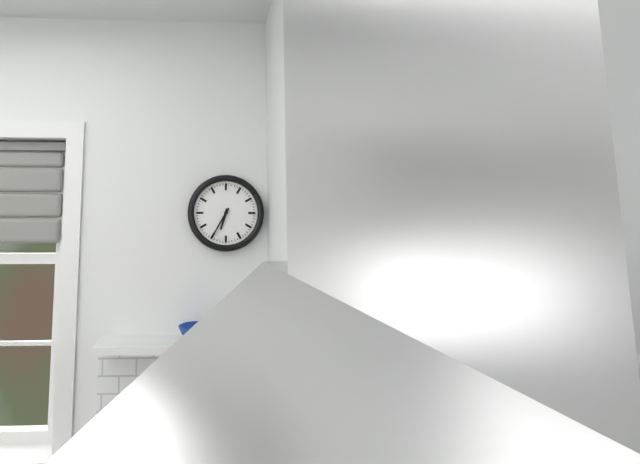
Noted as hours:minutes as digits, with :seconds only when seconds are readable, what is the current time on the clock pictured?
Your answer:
6:35
